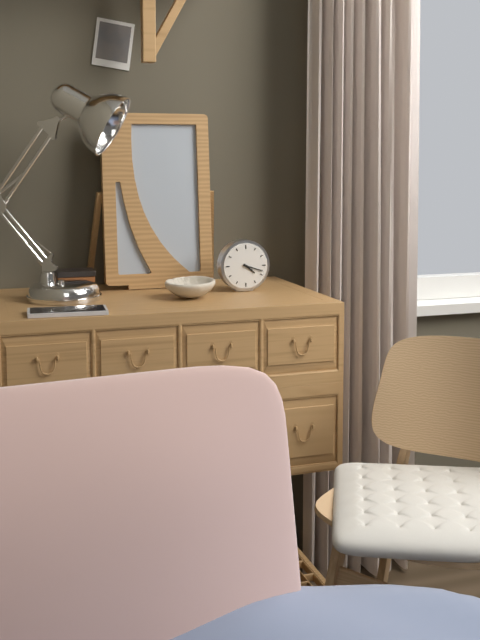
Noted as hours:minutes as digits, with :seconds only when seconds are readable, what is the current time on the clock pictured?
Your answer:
4:18
